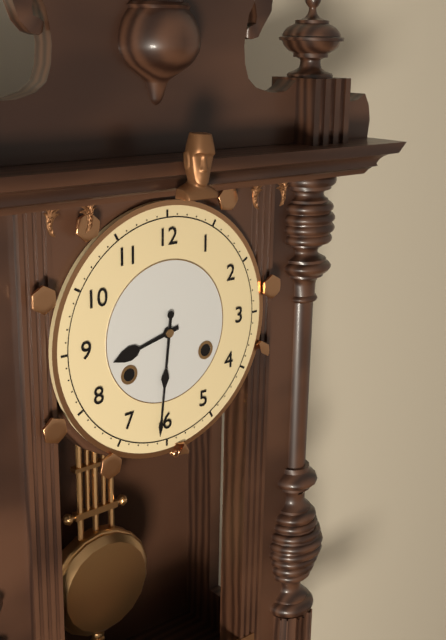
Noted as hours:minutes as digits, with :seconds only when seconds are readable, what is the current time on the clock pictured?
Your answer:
8:31
